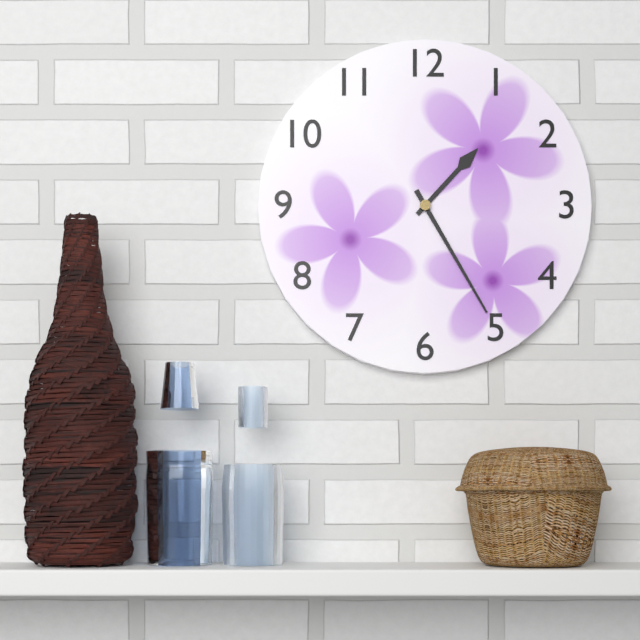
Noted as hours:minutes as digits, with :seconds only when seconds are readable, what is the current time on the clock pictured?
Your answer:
1:25
